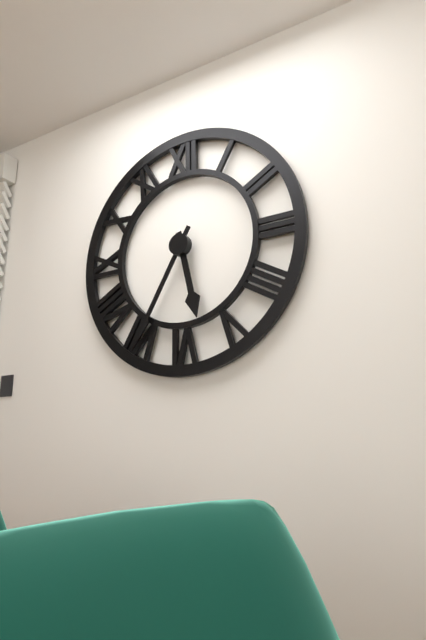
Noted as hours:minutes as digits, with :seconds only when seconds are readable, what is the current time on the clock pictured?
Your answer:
5:35
